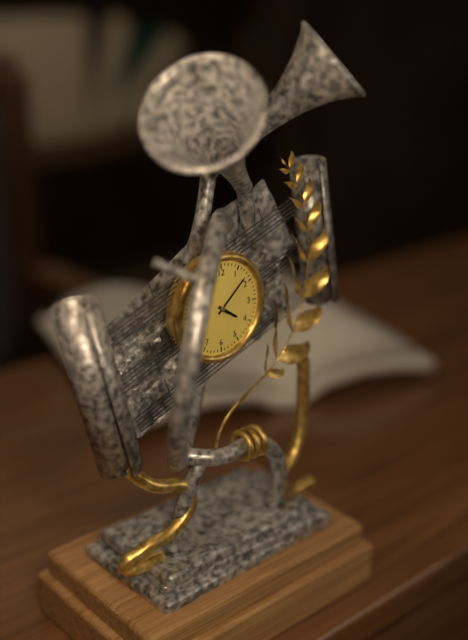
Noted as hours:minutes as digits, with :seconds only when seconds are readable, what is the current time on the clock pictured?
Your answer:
4:08
